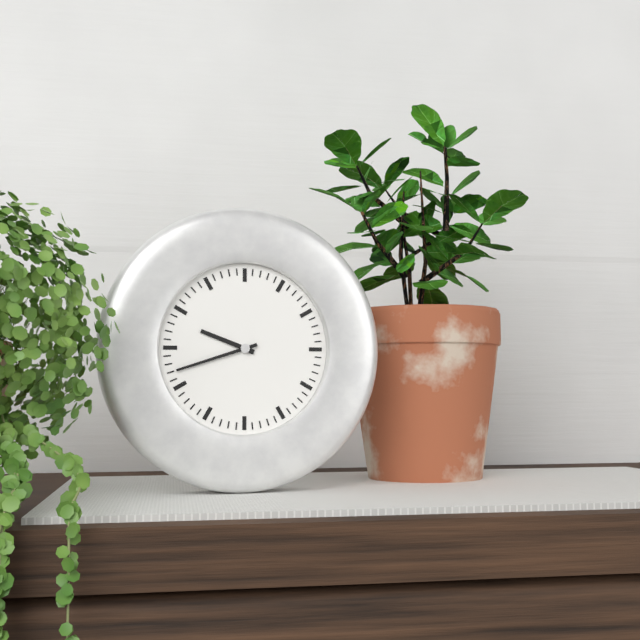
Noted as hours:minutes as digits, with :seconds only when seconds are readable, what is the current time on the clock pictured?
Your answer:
9:42
